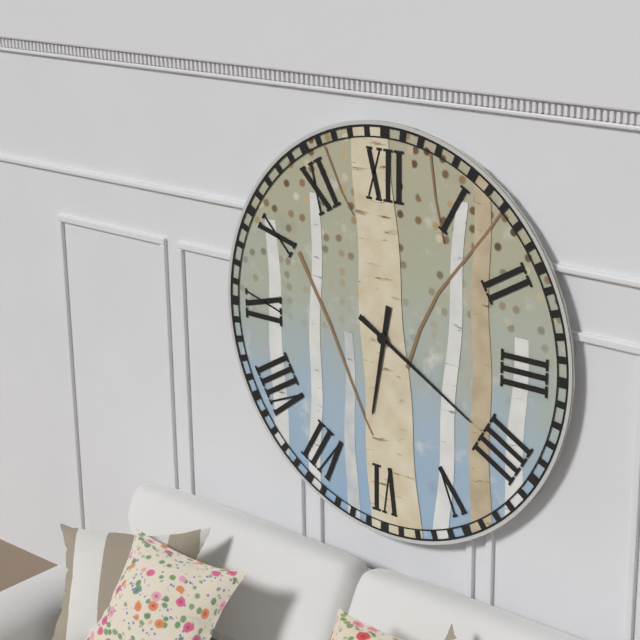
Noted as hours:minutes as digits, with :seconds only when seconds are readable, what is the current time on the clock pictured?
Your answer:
6:20
